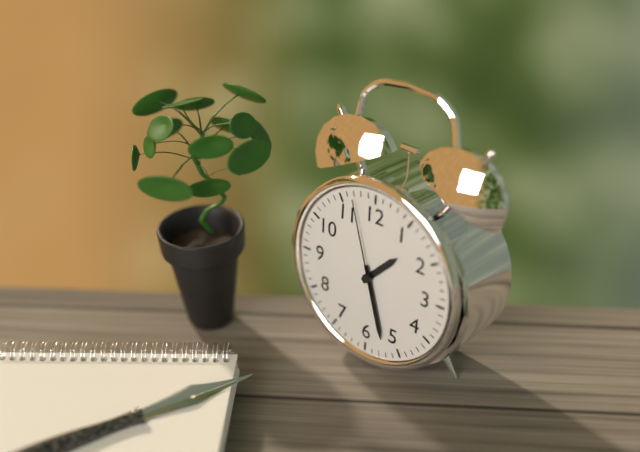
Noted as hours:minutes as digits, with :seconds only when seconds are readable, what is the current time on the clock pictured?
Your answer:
1:27:57
